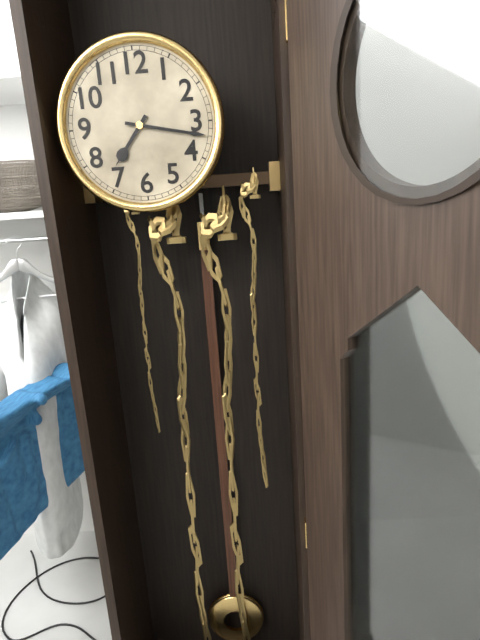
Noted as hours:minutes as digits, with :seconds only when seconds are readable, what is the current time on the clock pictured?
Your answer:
7:17
